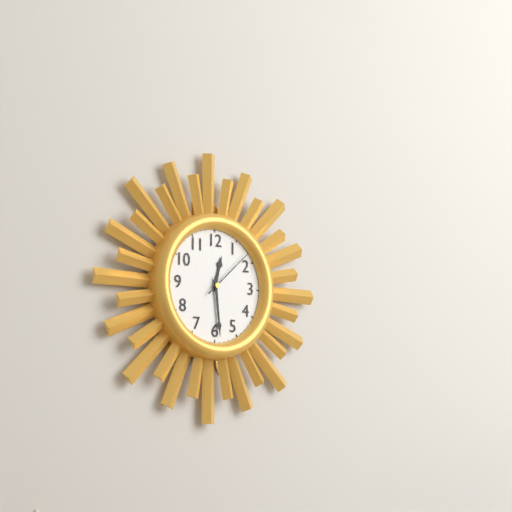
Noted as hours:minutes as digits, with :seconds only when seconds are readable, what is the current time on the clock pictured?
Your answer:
12:29:08
